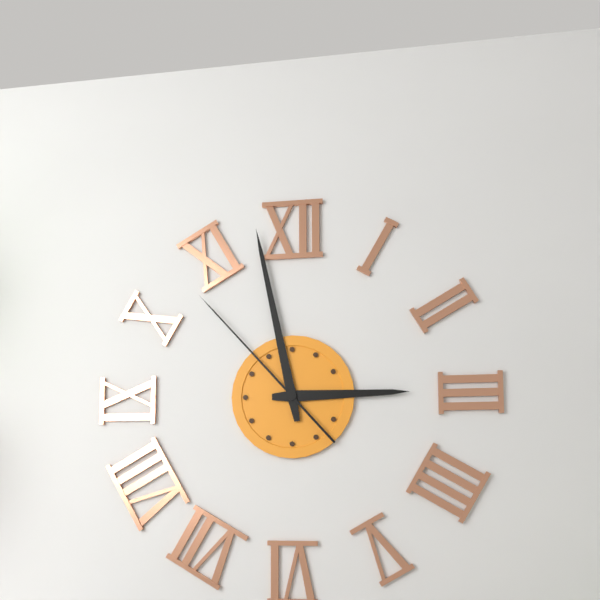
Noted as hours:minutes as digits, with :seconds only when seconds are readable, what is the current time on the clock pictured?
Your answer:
2:58:53
